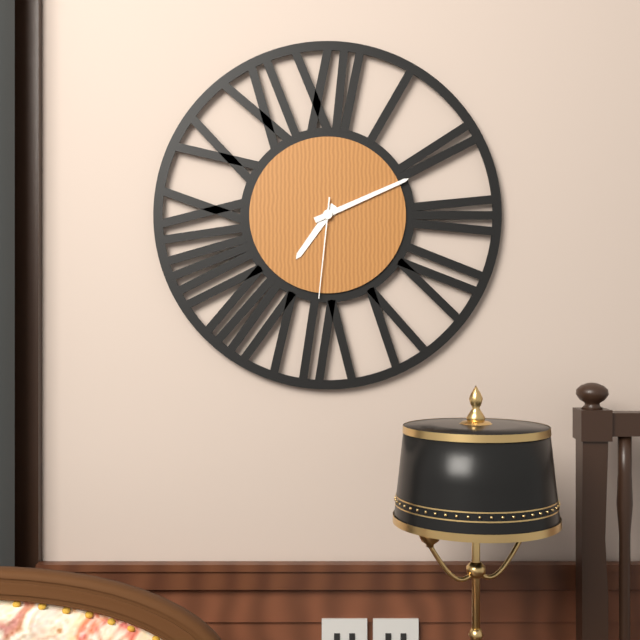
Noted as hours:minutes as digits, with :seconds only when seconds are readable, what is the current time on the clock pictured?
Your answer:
7:11:31
